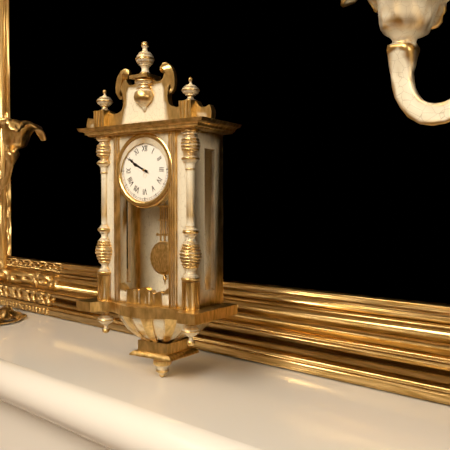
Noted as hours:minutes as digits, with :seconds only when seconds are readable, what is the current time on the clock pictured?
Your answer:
9:50
